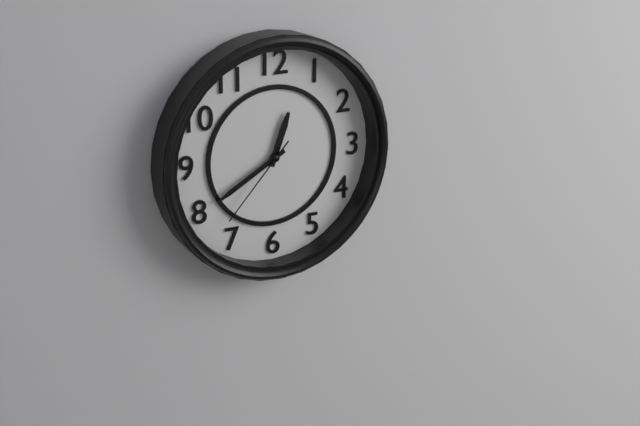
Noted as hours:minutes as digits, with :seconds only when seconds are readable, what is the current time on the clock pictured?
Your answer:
12:40:37
